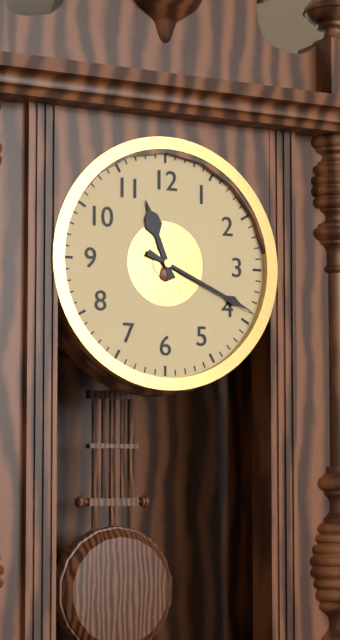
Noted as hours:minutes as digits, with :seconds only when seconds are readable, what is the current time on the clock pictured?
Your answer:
11:19
